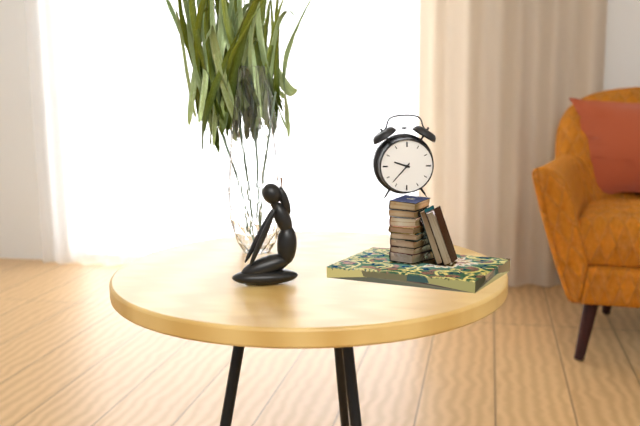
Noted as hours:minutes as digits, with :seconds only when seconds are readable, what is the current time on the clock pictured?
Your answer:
9:37
